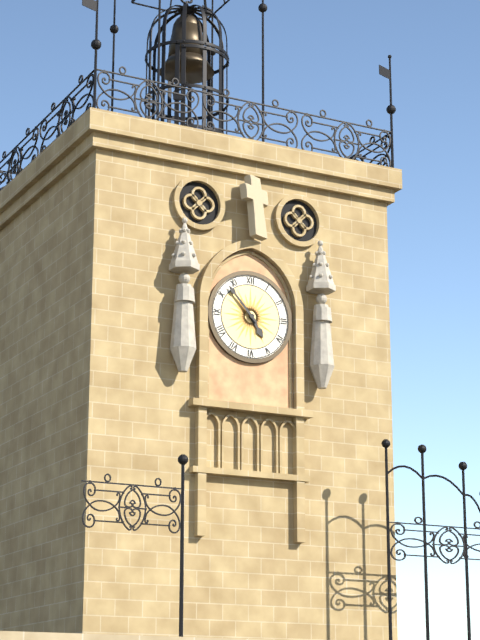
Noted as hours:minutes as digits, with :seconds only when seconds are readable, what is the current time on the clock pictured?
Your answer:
4:53
